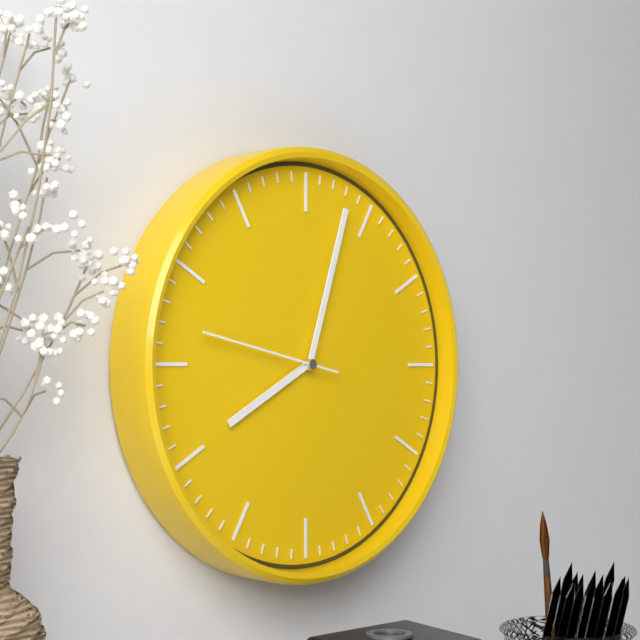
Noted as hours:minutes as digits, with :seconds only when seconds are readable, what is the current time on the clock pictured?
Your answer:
8:03:47
